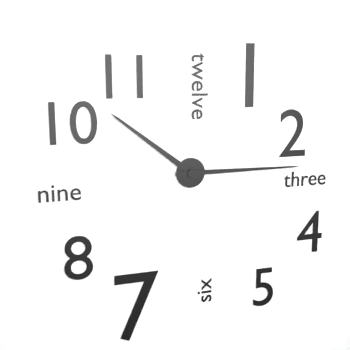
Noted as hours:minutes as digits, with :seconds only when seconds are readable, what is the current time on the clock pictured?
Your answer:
10:15
